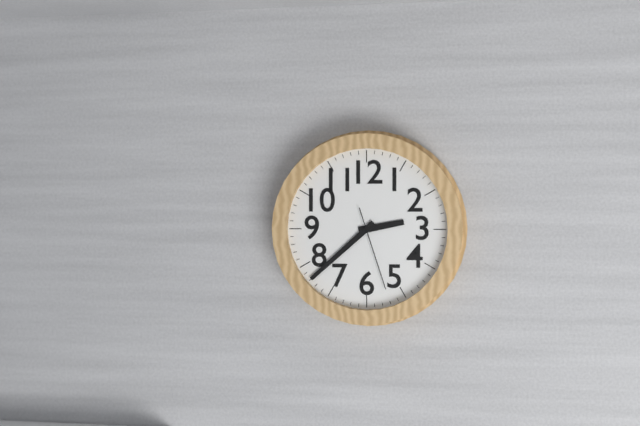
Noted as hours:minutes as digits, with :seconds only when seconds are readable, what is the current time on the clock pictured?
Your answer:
2:38:27
